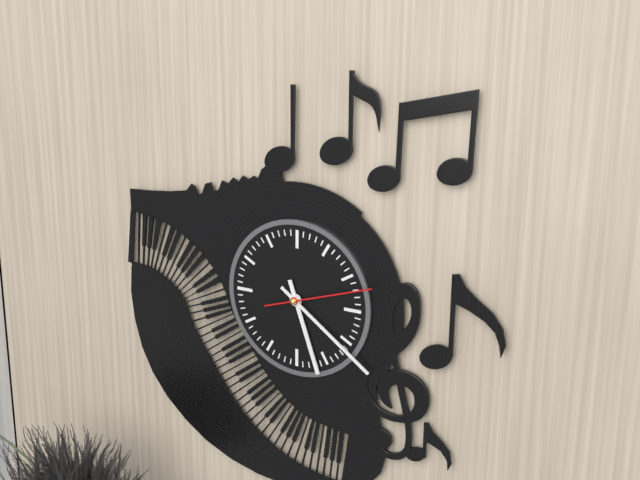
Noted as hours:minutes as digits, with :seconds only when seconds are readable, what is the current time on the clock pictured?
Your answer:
5:21:12
